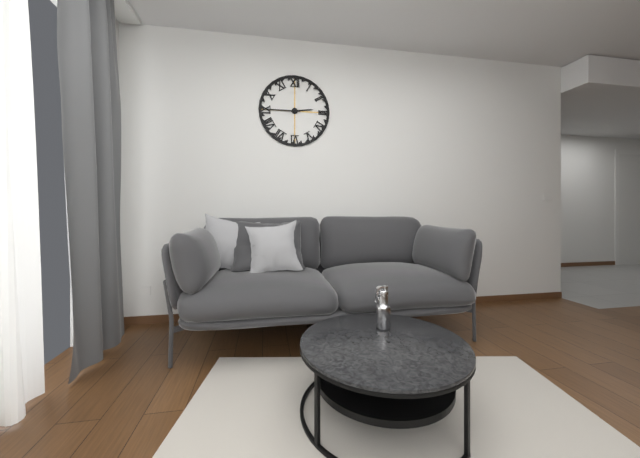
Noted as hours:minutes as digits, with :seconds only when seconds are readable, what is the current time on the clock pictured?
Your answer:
2:45
